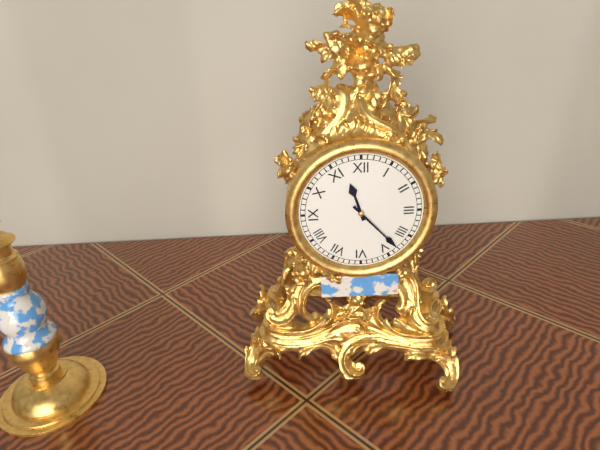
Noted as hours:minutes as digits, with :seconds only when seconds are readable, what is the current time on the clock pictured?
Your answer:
11:23
